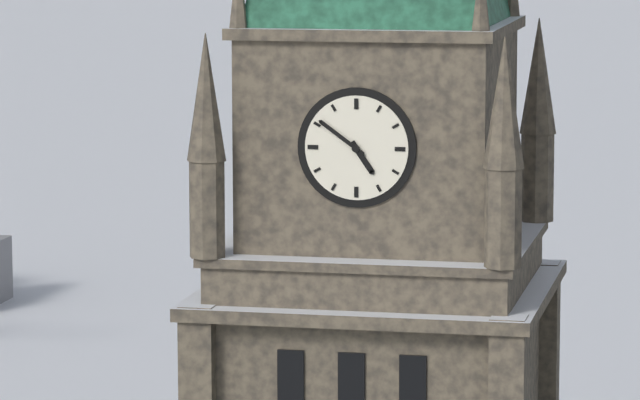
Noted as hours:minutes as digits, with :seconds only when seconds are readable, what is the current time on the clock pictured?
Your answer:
4:51
